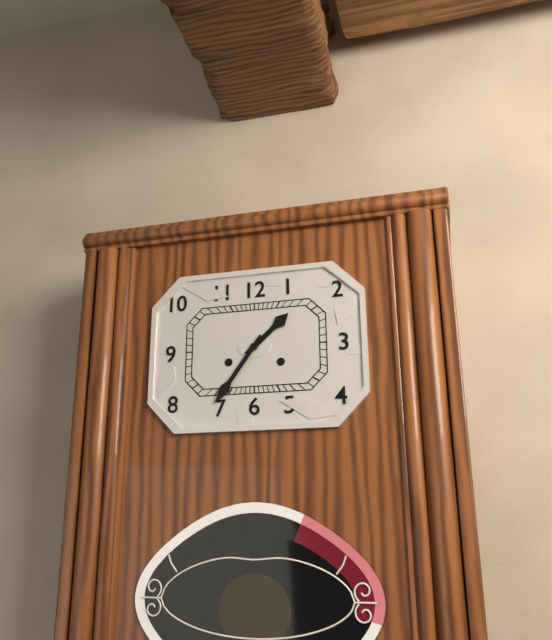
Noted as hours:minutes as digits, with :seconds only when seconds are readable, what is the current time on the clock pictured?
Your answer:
1:36
